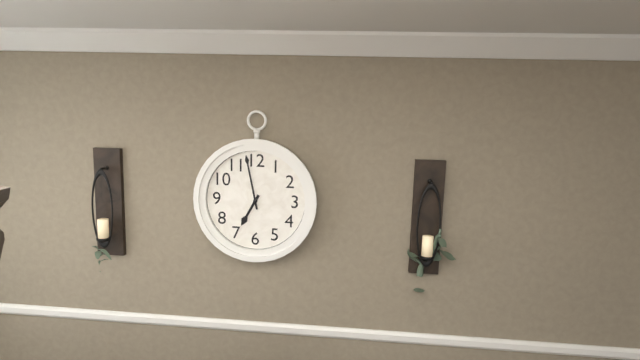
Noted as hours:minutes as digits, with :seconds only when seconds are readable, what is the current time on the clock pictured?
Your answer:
6:58
